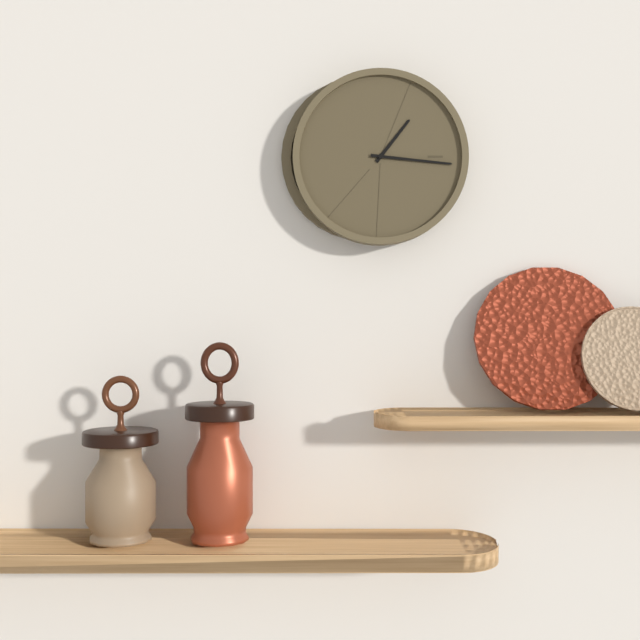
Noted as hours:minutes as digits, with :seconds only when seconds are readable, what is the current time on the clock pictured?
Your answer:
1:16
